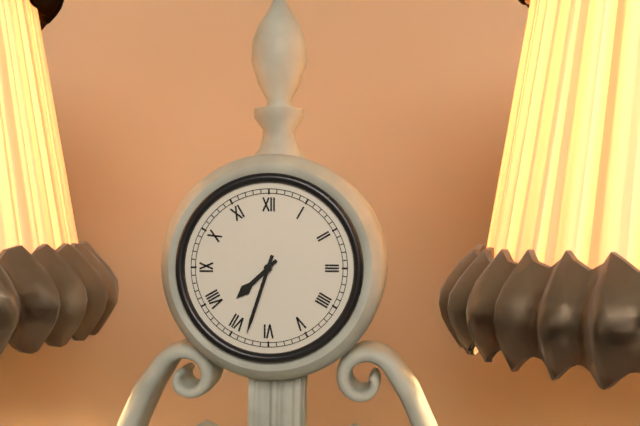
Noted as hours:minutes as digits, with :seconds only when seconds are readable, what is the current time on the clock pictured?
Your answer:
7:33
